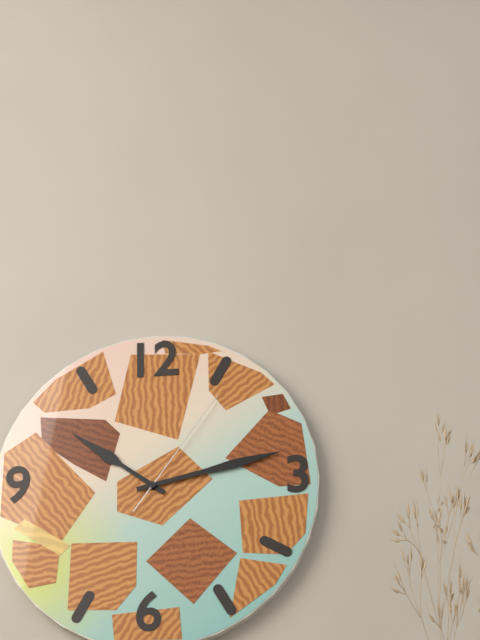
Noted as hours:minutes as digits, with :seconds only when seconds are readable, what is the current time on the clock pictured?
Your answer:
10:13:06
